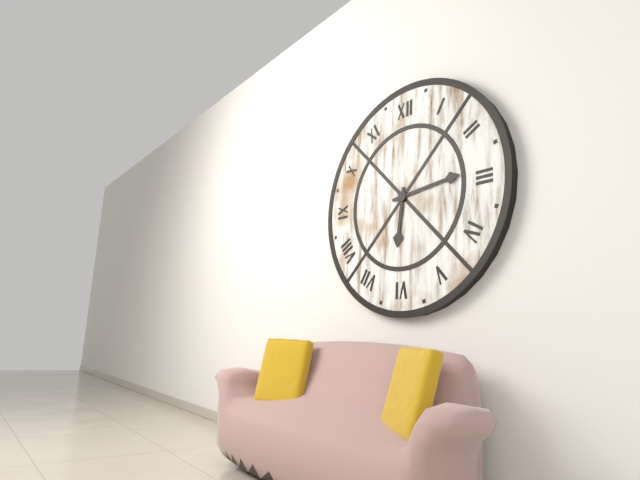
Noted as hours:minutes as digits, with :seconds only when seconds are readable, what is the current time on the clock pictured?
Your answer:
6:14
